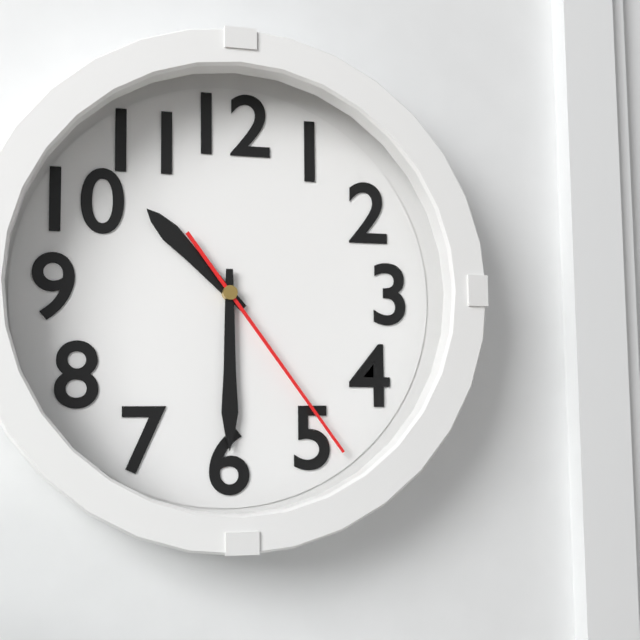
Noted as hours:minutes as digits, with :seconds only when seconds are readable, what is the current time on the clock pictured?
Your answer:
10:30:24
